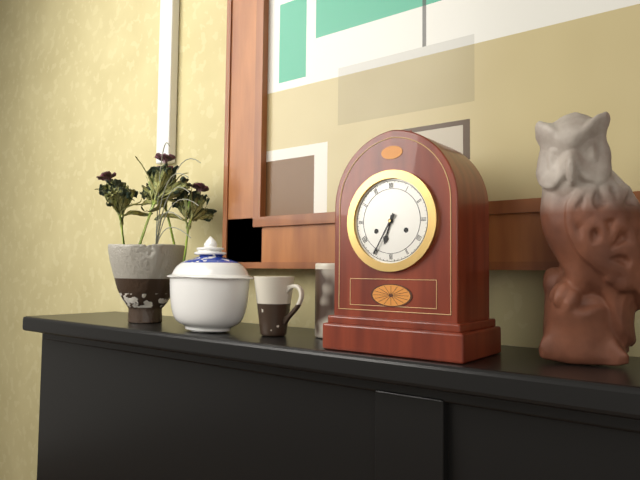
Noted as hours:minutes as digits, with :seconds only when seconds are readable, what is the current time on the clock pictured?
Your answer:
6:35
